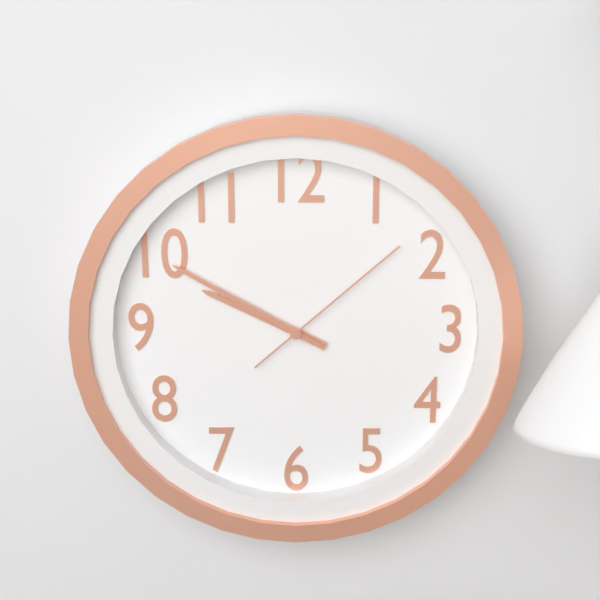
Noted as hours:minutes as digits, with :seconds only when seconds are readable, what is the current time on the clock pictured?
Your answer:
9:50:08
